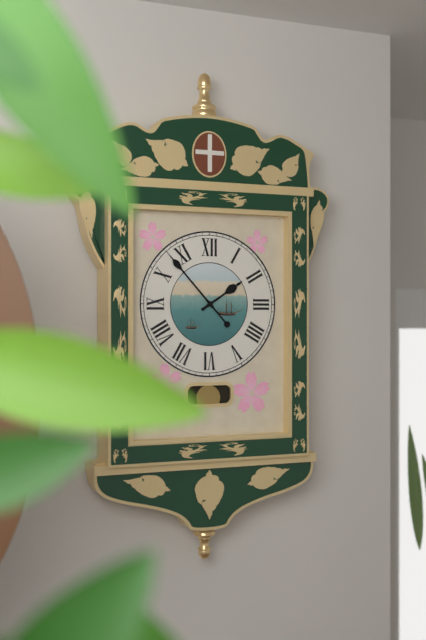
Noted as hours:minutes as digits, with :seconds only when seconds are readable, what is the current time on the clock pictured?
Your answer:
1:53
